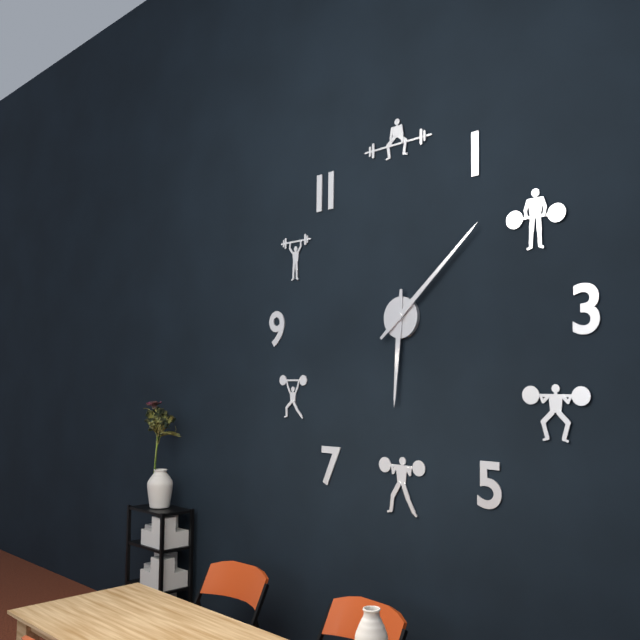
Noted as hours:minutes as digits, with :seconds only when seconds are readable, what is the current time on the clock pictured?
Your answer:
6:08
